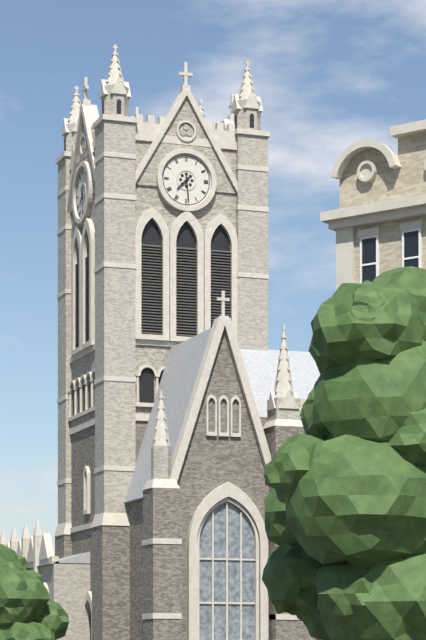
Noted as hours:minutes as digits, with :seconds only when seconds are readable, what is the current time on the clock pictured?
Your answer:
7:29
